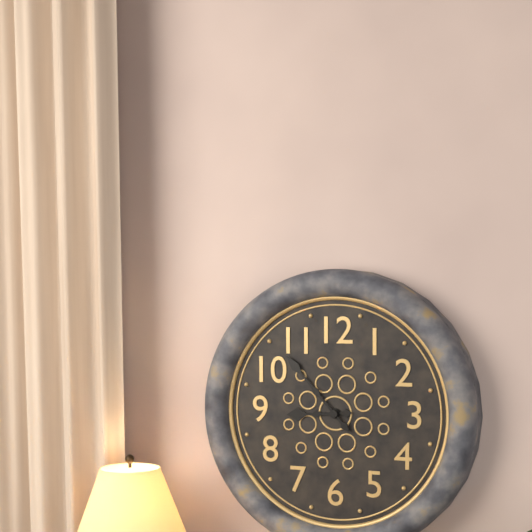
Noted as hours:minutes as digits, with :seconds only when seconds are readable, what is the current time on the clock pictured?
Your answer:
8:53
